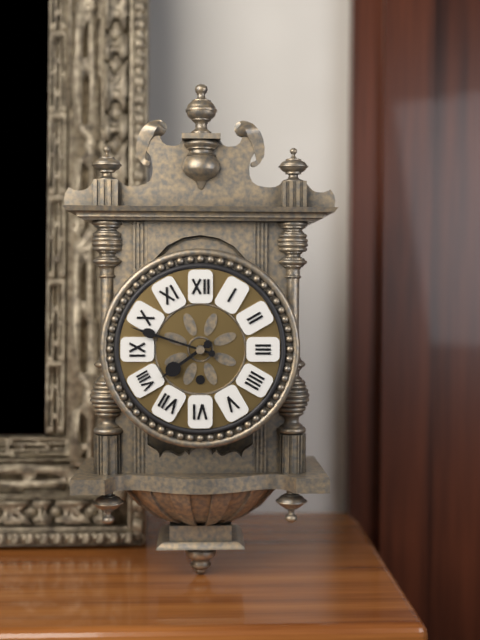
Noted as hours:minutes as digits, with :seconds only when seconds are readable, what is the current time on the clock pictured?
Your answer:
7:48
